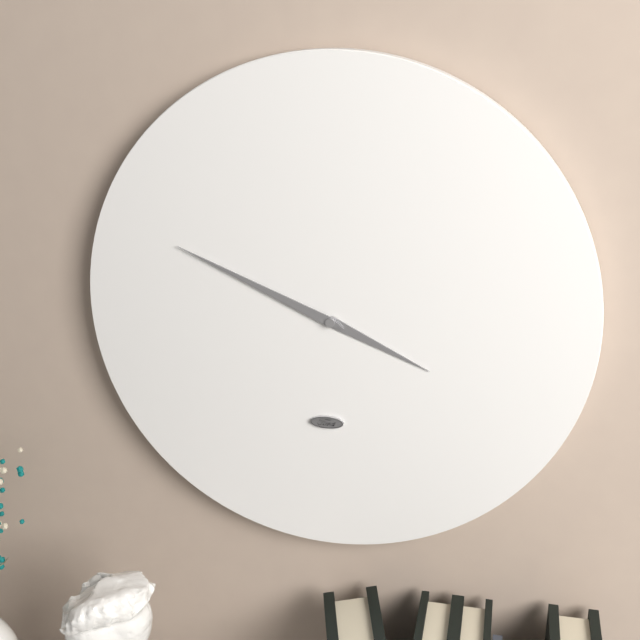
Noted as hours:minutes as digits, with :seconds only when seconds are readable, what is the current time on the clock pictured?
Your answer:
3:49
